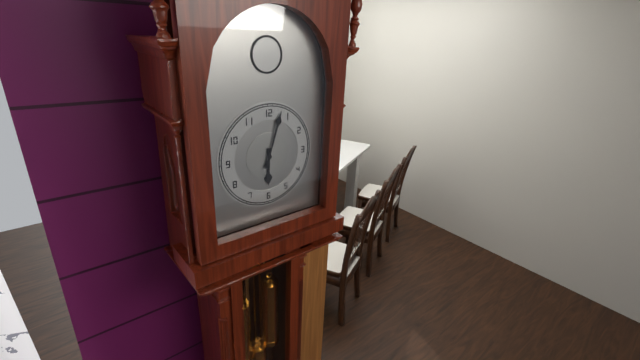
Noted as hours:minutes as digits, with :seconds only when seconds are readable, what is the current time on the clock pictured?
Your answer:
6:03
